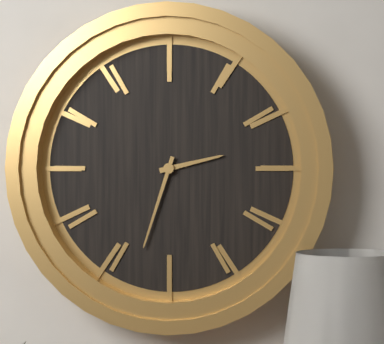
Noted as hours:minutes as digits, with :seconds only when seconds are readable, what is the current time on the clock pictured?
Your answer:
2:33
